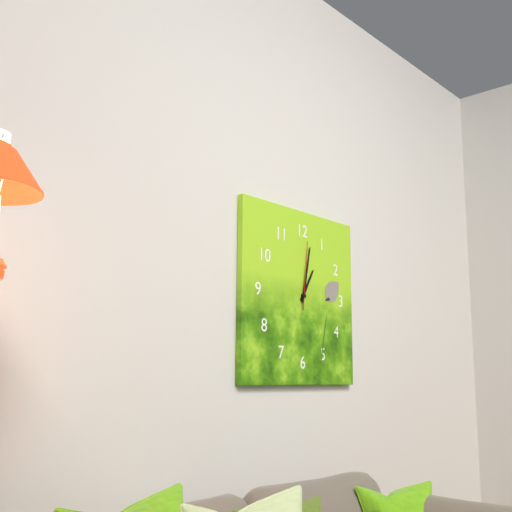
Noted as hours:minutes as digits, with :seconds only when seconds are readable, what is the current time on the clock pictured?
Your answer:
1:02:01
